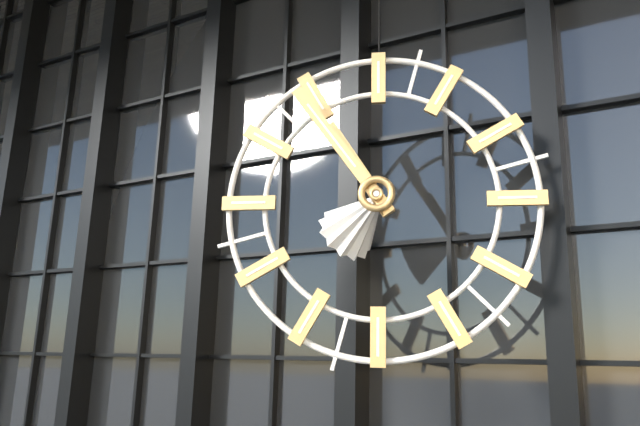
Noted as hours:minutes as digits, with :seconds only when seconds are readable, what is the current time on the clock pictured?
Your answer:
10:54
